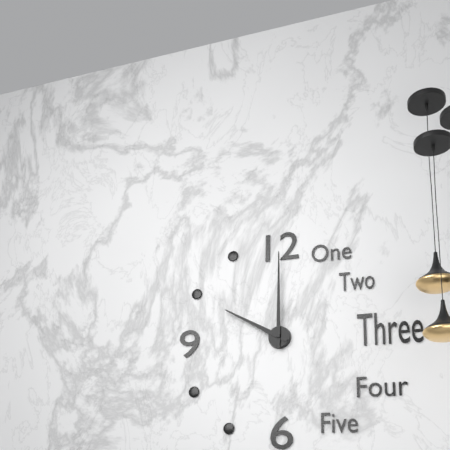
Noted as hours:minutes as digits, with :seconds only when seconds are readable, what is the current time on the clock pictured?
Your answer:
10:00
